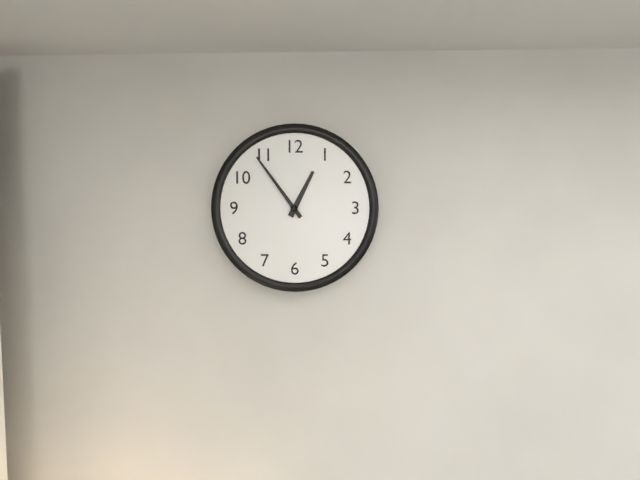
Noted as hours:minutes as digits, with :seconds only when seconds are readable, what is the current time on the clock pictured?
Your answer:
12:54
